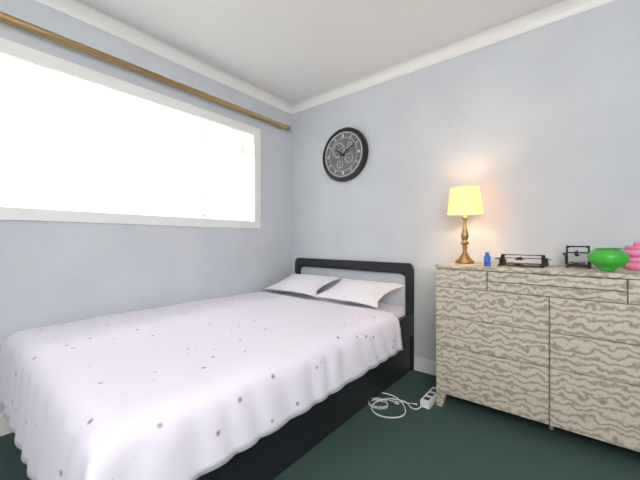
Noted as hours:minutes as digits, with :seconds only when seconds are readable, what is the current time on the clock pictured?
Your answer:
10:10
